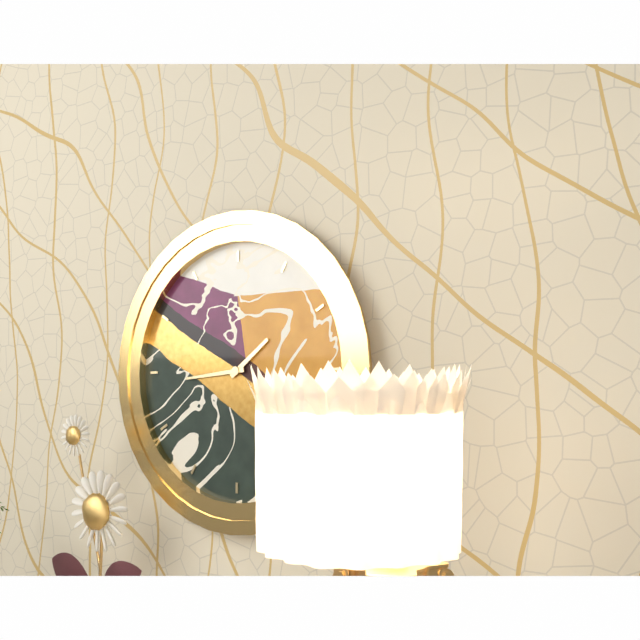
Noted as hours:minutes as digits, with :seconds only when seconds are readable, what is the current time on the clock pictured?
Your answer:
1:44
